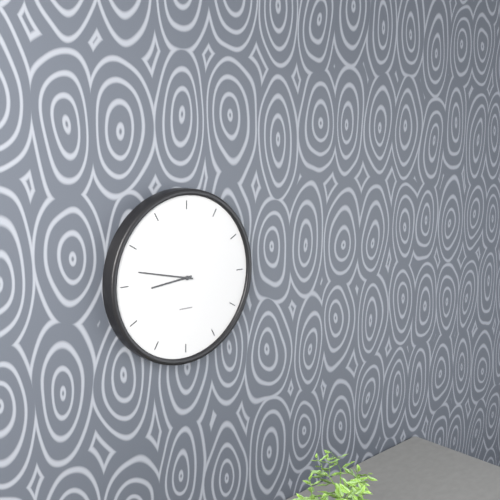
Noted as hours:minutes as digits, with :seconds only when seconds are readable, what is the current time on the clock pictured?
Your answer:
8:47
